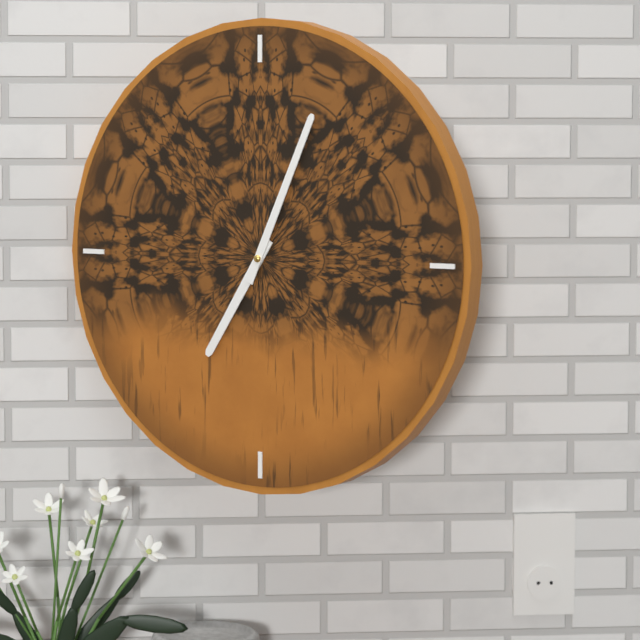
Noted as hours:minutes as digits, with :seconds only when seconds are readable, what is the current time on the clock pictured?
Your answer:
7:04
